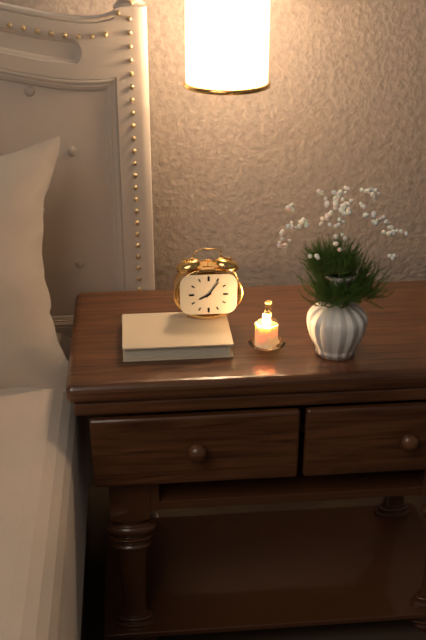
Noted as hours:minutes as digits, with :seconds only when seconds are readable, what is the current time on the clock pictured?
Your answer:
8:06
